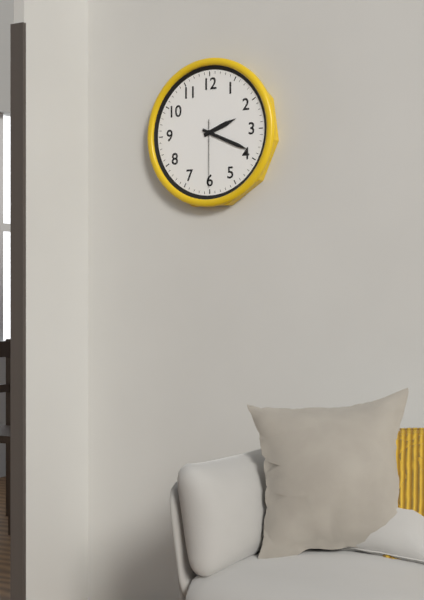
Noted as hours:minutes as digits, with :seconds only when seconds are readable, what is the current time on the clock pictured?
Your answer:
2:19:30
